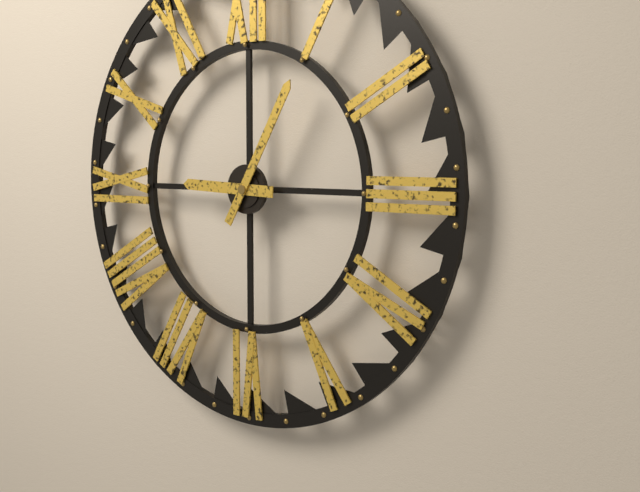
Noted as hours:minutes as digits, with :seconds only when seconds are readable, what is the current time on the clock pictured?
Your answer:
9:05
